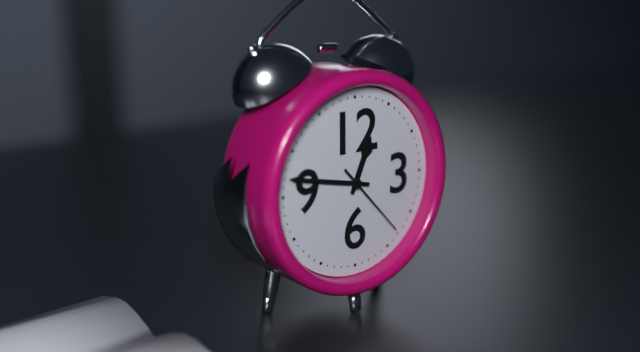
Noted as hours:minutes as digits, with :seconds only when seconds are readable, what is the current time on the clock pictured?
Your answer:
12:47:23
